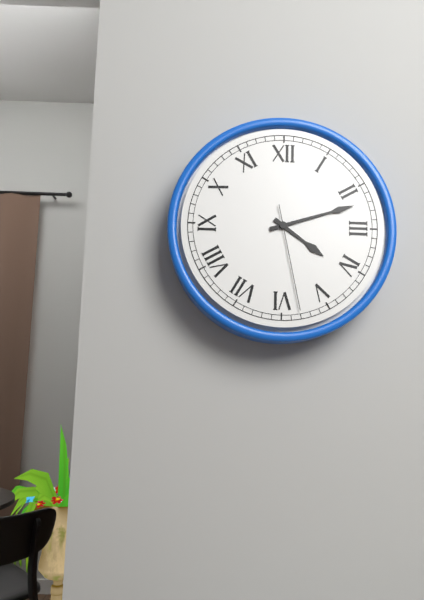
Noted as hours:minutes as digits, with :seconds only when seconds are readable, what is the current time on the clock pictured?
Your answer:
4:12:28
